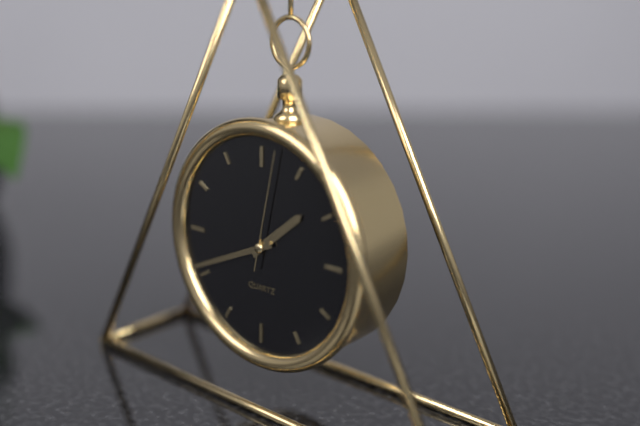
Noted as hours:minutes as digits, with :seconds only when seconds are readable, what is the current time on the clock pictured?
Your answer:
1:41:02
